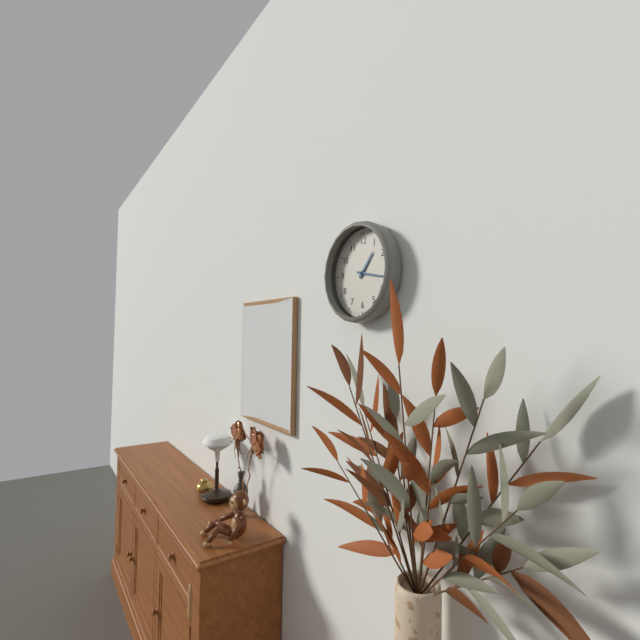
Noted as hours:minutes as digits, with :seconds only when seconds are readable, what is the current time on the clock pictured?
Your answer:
1:17
